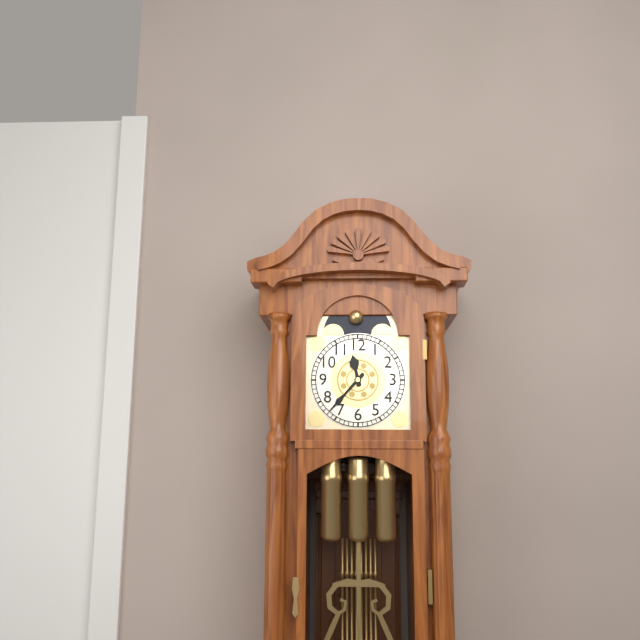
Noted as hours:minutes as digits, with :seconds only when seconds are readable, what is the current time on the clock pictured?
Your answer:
11:37
